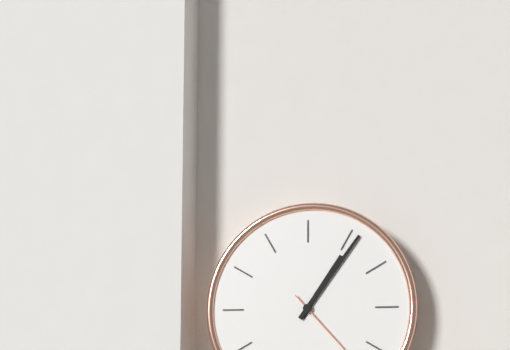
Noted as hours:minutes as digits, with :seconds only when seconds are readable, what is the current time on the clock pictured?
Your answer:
1:06
